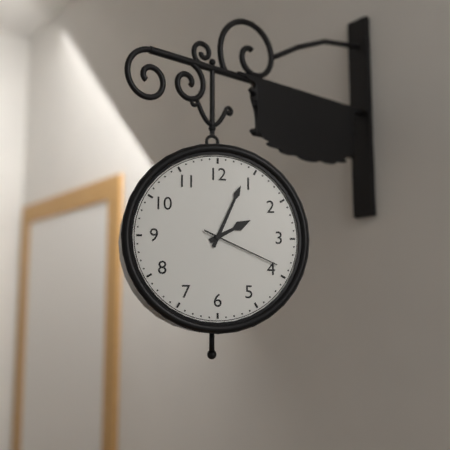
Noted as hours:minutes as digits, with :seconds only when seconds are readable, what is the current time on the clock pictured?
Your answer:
2:04:19
